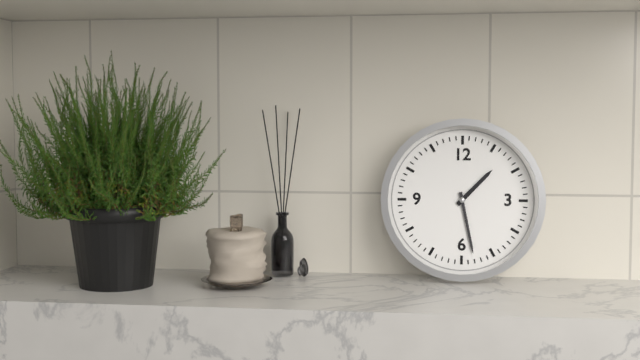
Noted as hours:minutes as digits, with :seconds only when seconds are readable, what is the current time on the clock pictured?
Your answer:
1:28
